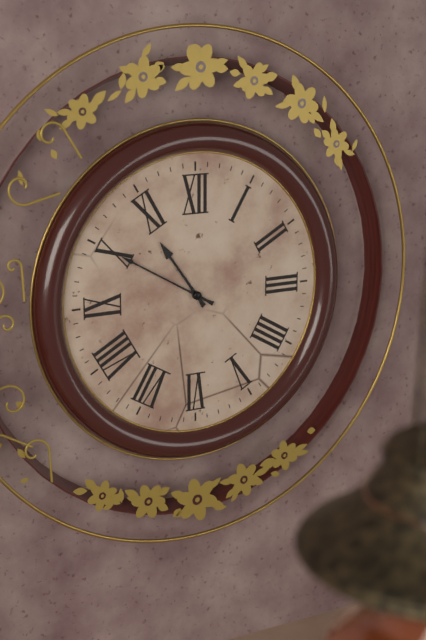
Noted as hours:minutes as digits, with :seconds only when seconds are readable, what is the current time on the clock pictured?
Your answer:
10:50
